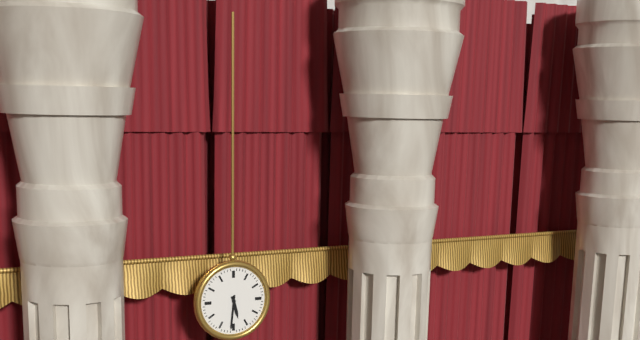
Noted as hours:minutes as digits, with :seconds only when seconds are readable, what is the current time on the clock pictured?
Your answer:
5:31
